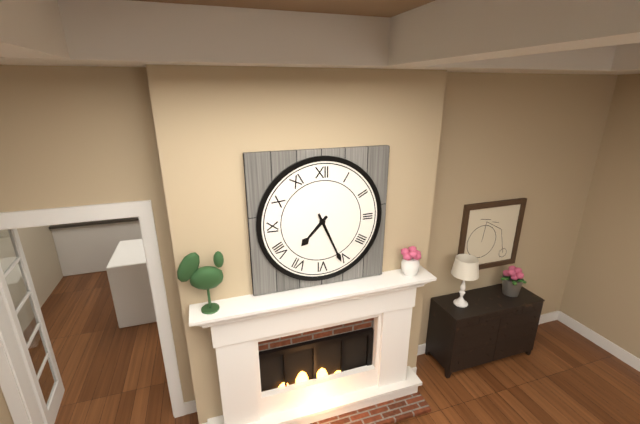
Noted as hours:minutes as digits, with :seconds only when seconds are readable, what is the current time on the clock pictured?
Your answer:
7:26
